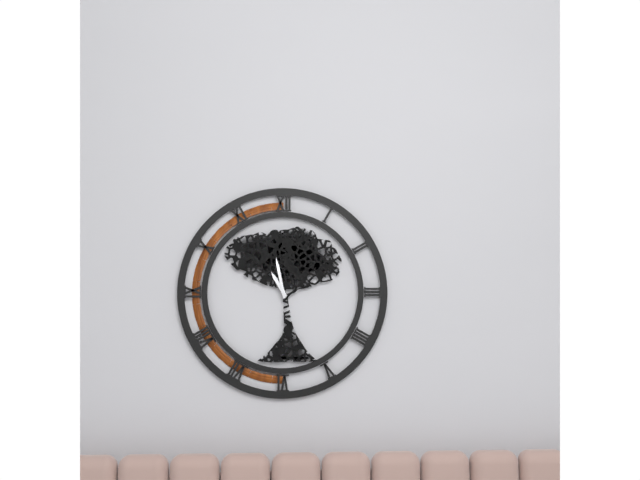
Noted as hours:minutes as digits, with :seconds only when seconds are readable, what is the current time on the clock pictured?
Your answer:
10:58
